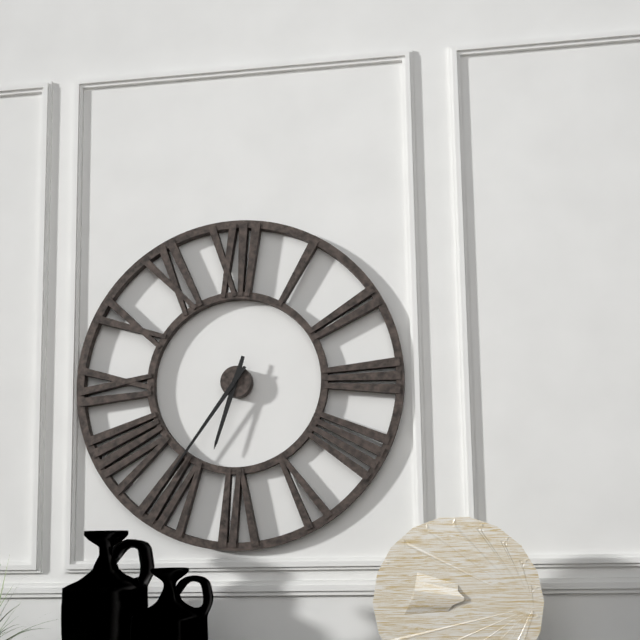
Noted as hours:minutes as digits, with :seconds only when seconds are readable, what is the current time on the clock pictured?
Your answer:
6:36
